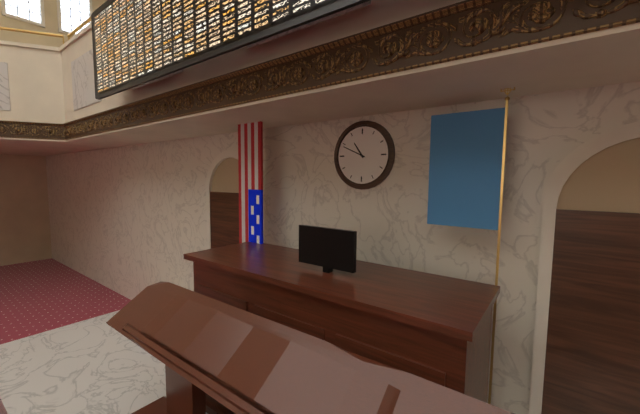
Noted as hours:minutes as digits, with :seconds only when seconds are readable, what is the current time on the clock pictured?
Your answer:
10:49
